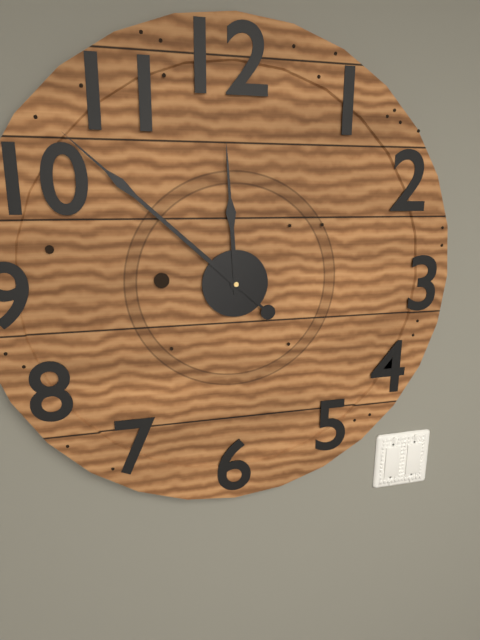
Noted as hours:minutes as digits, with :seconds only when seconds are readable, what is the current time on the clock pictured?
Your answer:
11:52
